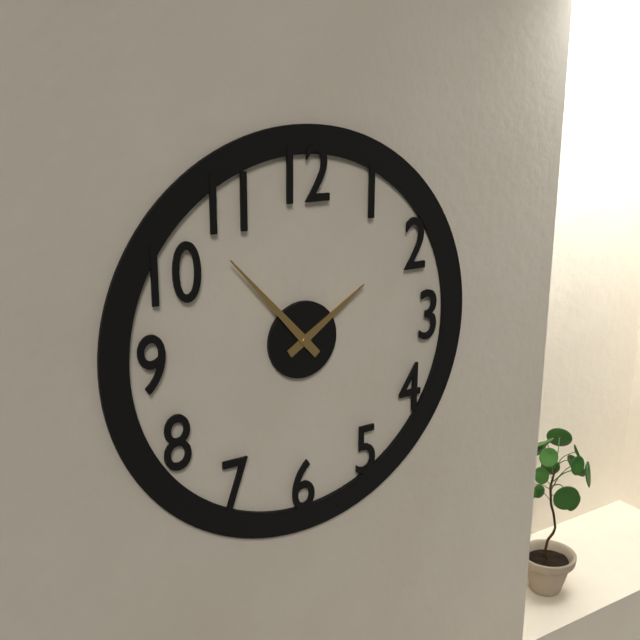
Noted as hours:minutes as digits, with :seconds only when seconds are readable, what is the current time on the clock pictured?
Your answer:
1:53
